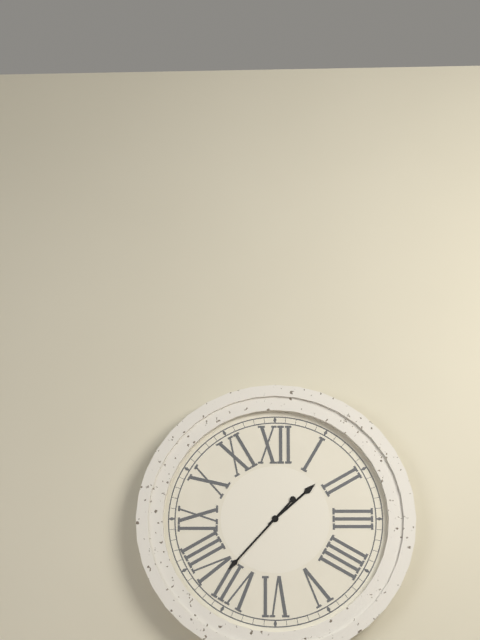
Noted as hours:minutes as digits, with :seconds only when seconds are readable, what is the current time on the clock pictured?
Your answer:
1:37
